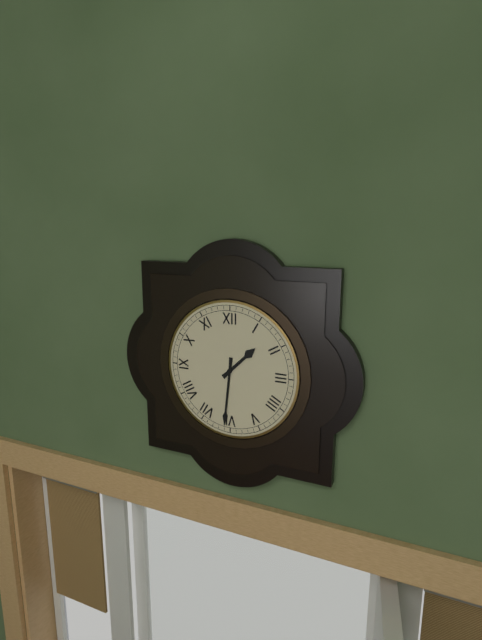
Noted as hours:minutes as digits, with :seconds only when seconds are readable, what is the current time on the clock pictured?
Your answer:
1:31
